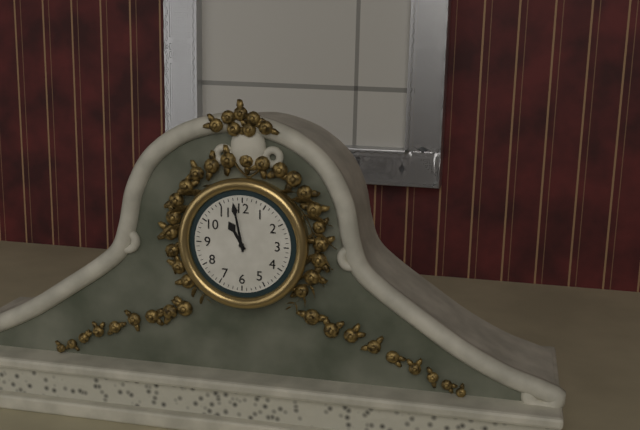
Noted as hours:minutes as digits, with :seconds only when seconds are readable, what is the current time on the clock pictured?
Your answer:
10:58
